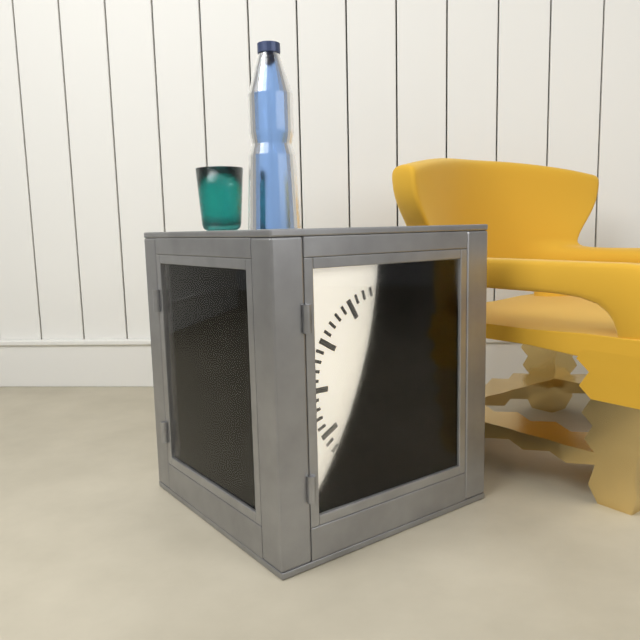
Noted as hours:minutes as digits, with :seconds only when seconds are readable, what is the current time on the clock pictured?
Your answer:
4:27
